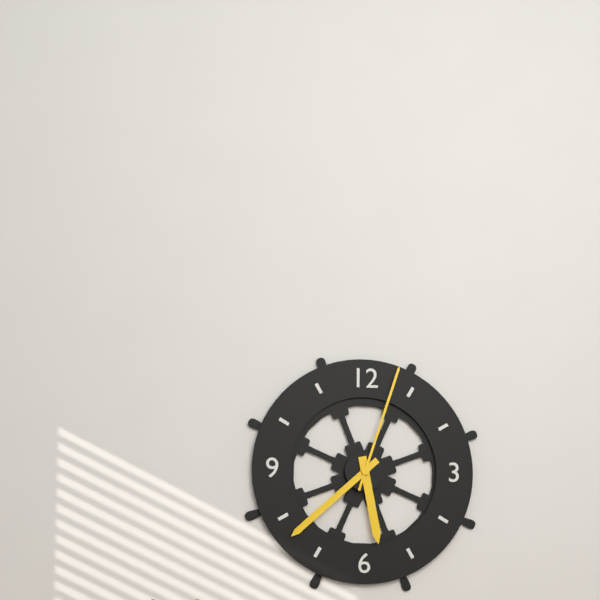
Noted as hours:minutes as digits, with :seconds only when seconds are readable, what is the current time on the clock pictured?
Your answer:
5:38:03
